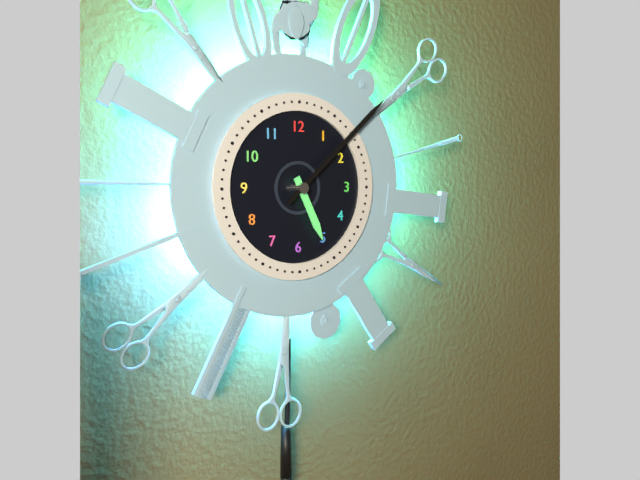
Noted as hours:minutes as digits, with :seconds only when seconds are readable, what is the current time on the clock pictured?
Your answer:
5:08
